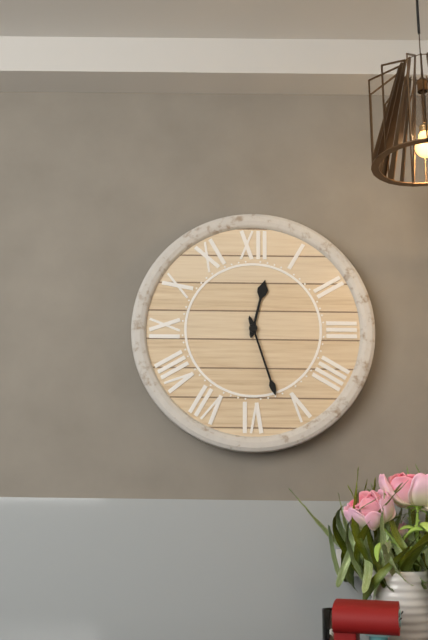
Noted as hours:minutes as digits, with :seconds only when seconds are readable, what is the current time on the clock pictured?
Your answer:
12:27
